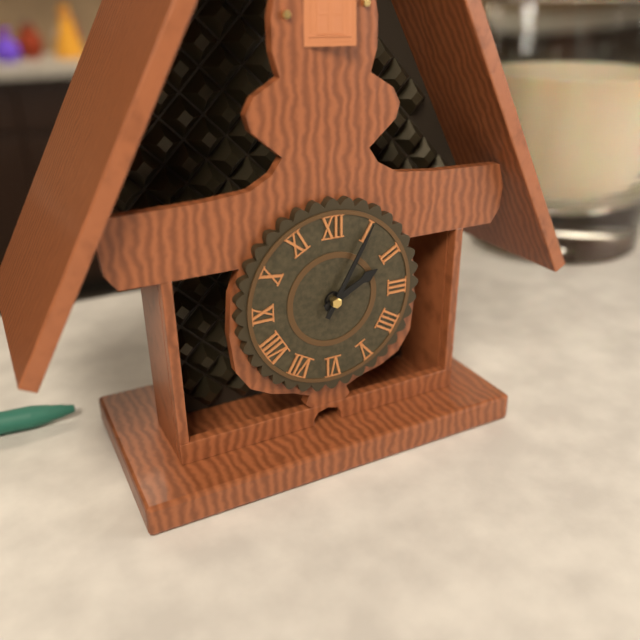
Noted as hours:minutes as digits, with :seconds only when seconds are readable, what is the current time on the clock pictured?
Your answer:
2:05
